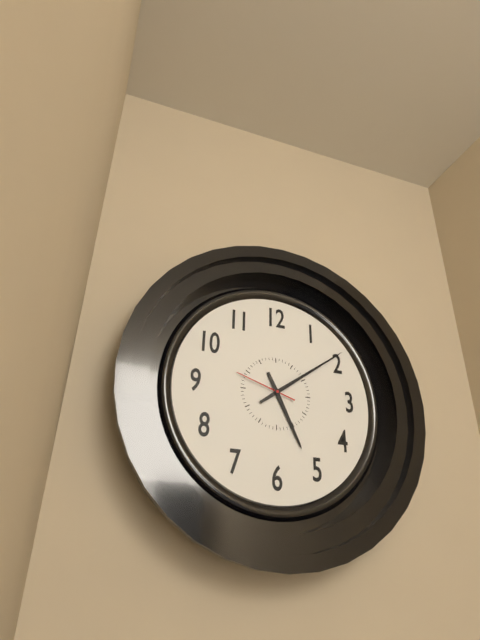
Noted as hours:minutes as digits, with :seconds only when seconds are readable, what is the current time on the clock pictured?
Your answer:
5:09:48
